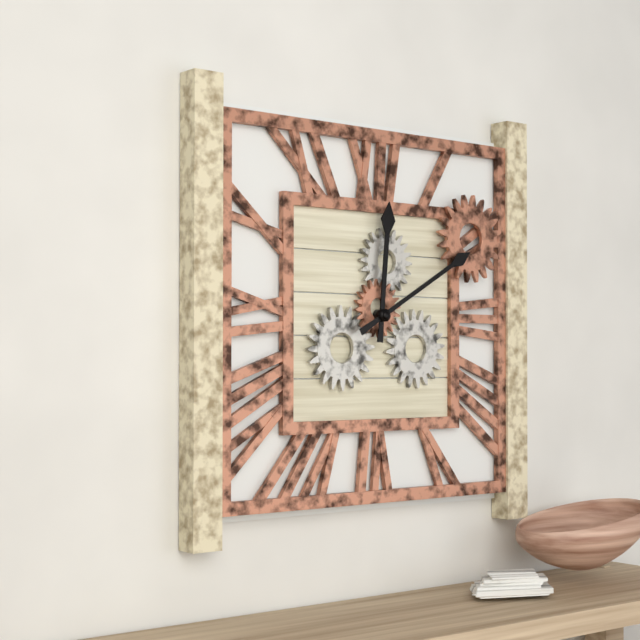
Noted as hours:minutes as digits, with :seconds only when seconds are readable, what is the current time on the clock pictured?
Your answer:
12:10
